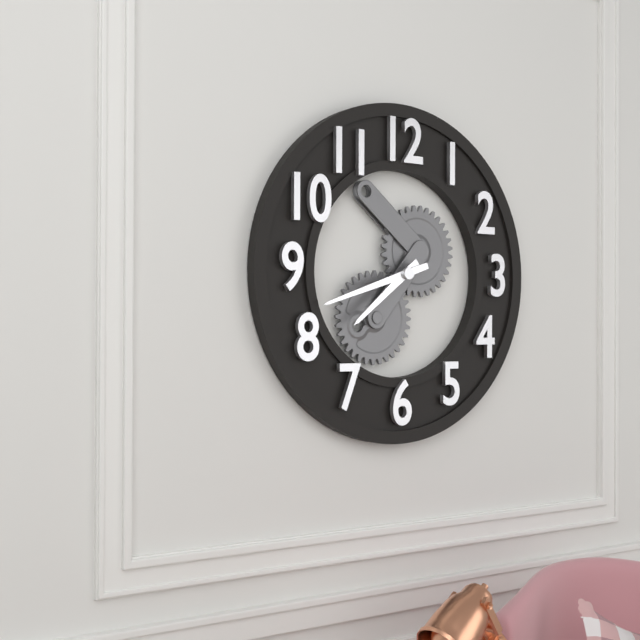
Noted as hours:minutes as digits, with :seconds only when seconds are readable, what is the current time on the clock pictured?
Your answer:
7:42
